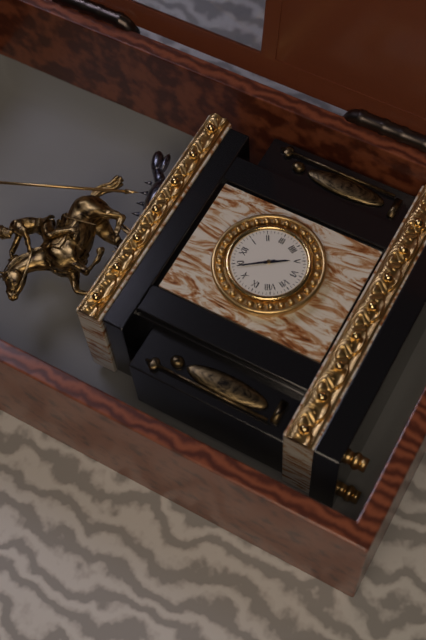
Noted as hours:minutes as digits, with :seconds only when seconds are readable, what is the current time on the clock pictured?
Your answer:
4:54
